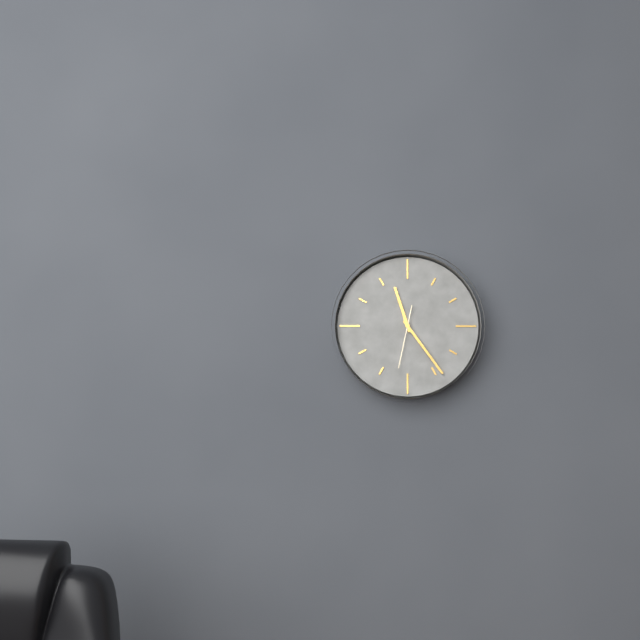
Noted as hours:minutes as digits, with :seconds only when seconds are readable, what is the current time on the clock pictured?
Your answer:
11:24:32
